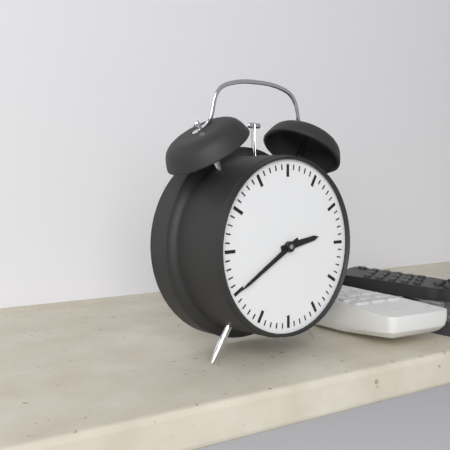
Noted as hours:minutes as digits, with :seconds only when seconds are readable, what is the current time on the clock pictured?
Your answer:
2:40
